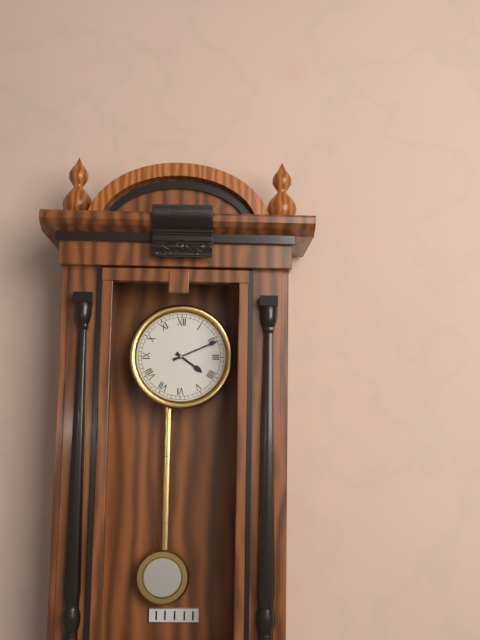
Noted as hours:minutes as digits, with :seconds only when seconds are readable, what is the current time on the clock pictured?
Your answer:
4:11
